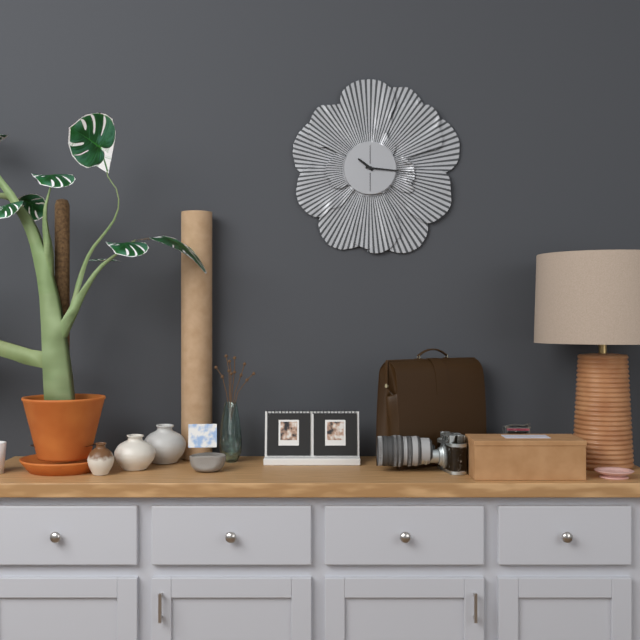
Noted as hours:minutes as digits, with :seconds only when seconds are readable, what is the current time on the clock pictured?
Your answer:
10:16
